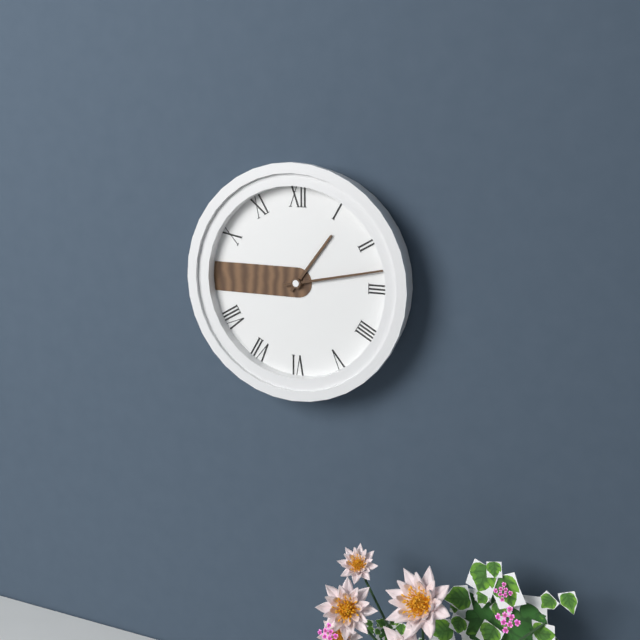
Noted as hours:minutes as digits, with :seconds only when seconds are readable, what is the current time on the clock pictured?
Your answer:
1:13
